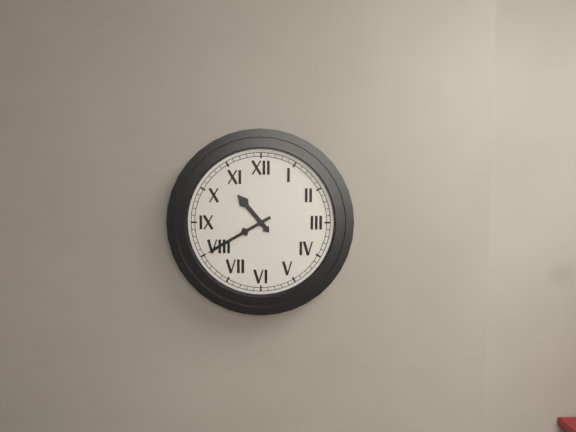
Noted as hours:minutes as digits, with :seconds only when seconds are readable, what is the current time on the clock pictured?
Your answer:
10:40
